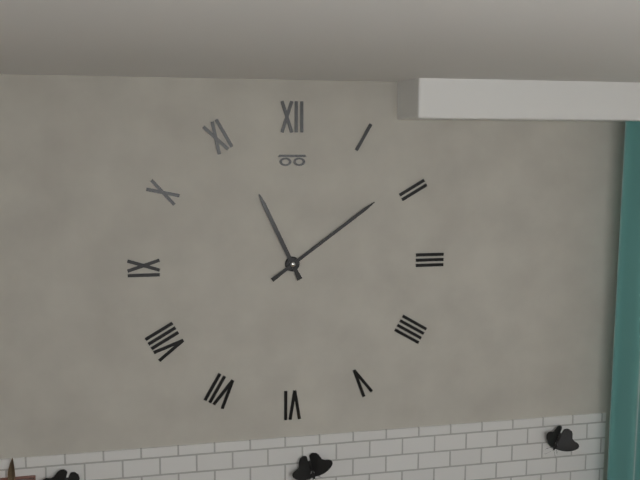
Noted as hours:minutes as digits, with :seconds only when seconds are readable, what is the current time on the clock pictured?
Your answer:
11:09
